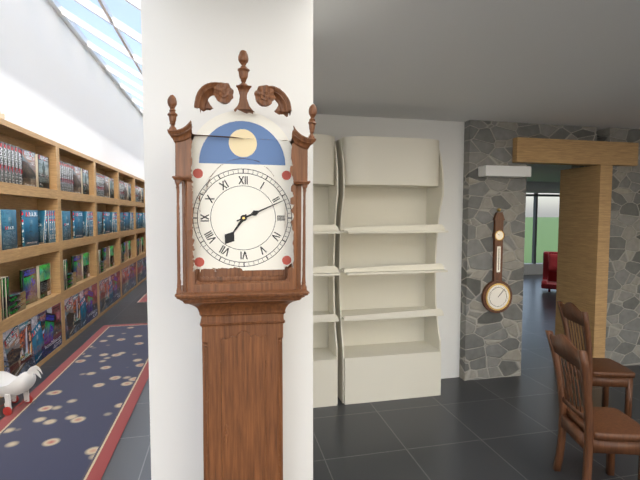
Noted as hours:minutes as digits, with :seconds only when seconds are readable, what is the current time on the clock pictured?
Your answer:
7:11
